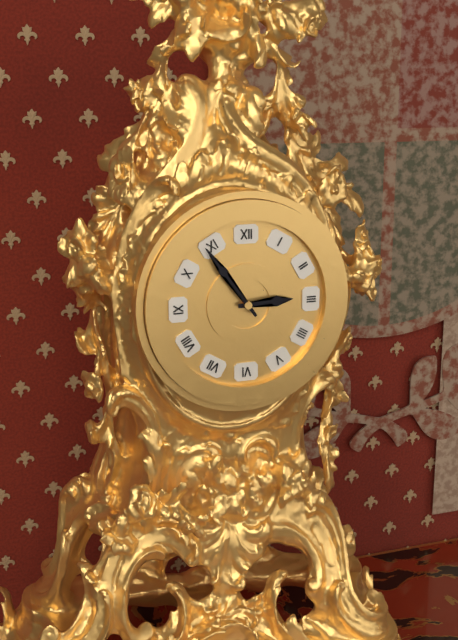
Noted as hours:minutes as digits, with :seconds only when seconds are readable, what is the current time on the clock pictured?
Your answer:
2:54
